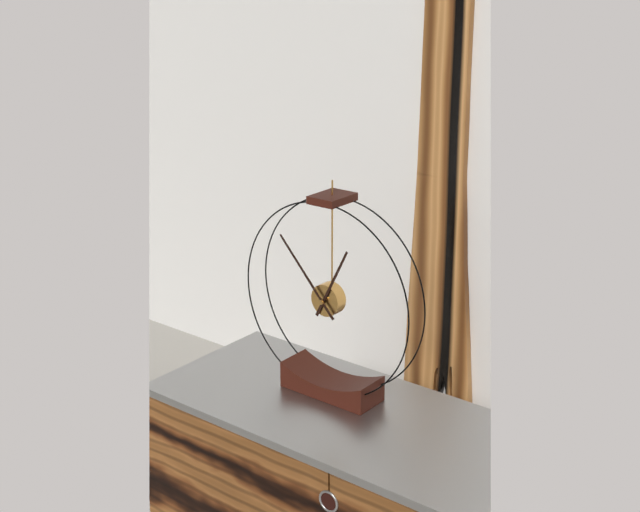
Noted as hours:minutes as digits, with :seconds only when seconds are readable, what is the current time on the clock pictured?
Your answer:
12:53
